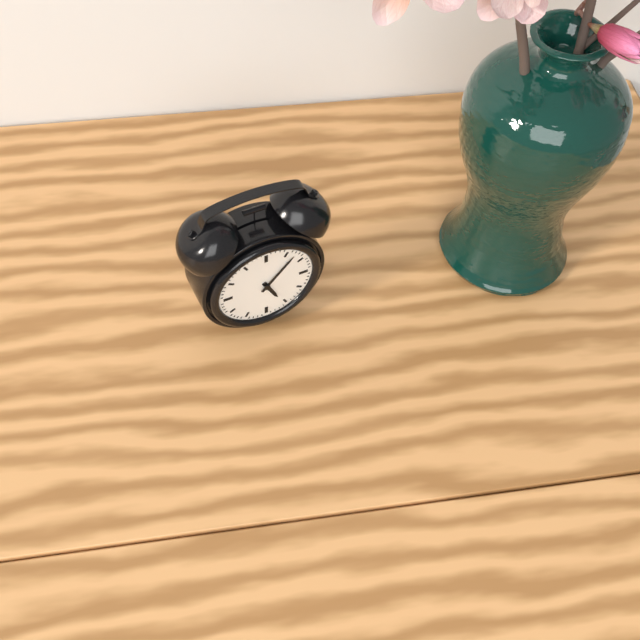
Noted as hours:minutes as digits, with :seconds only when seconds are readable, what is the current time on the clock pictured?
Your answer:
5:07
